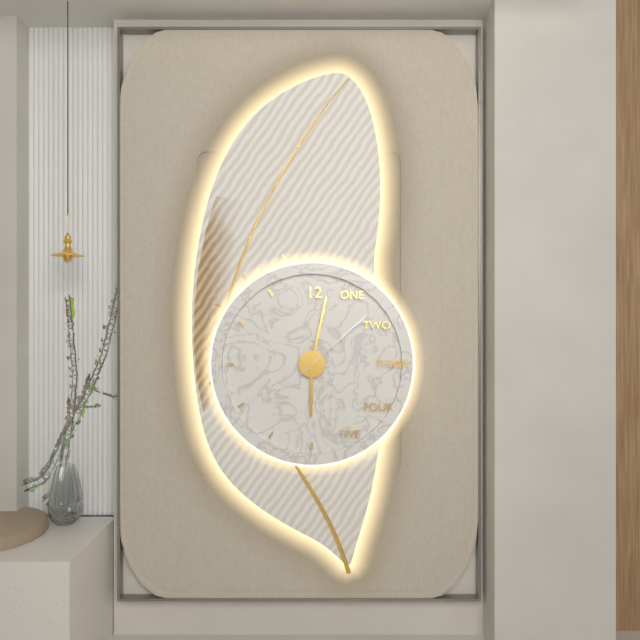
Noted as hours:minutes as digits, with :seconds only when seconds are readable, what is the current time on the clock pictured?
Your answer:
6:02:08
